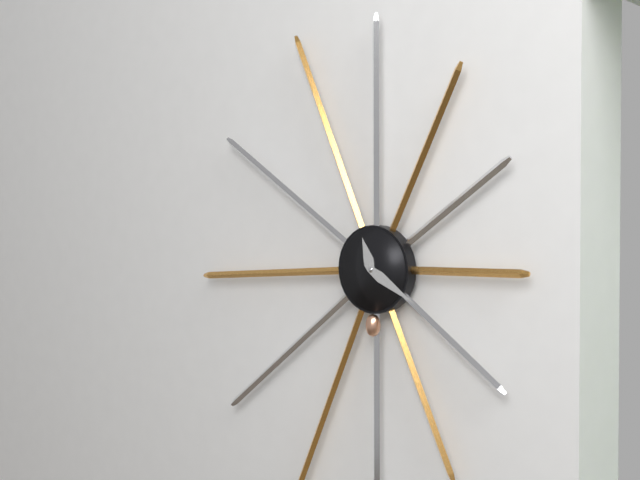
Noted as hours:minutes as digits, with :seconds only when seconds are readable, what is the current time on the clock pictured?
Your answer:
11:20
